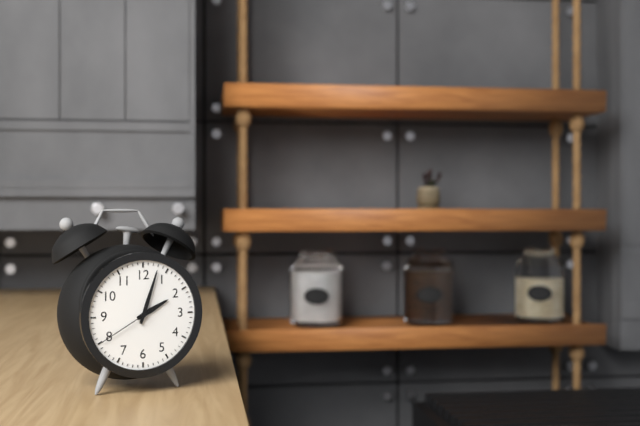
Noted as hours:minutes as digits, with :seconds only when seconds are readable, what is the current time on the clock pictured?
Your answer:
2:03:40
